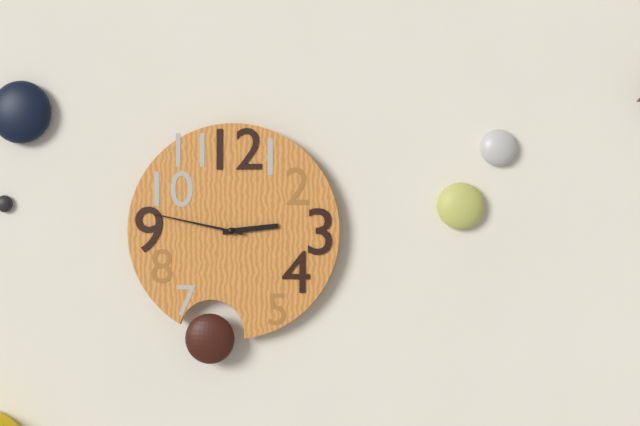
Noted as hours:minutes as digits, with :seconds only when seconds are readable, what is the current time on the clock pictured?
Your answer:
2:47
